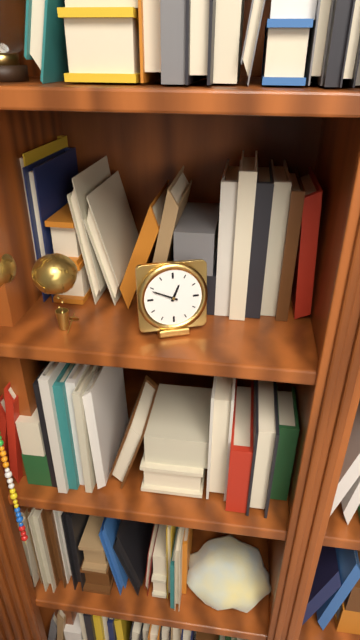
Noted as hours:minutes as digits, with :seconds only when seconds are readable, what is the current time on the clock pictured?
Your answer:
12:49
